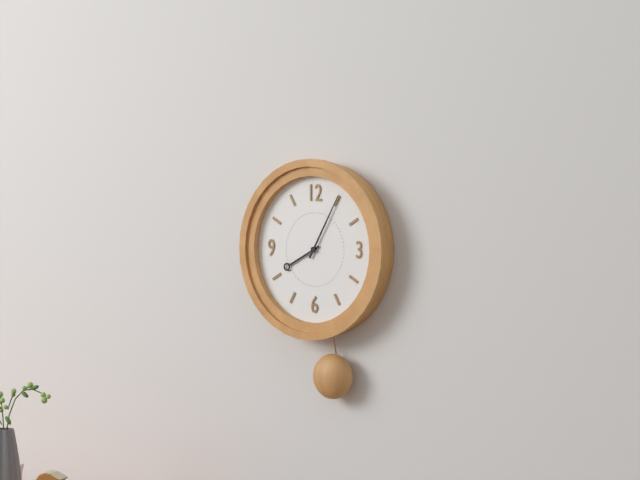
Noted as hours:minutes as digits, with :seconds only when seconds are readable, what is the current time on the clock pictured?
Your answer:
8:05
